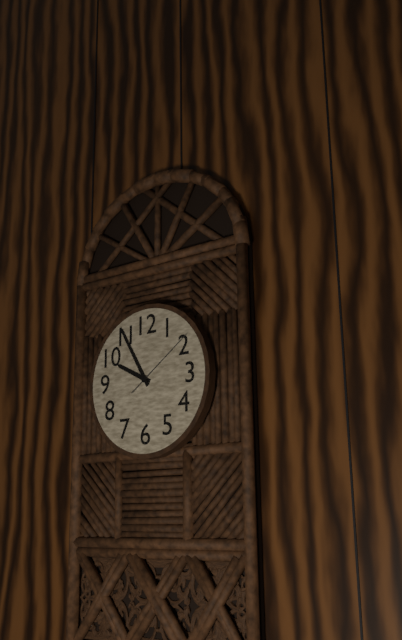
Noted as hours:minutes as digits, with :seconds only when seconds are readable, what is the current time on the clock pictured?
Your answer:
9:55:09
